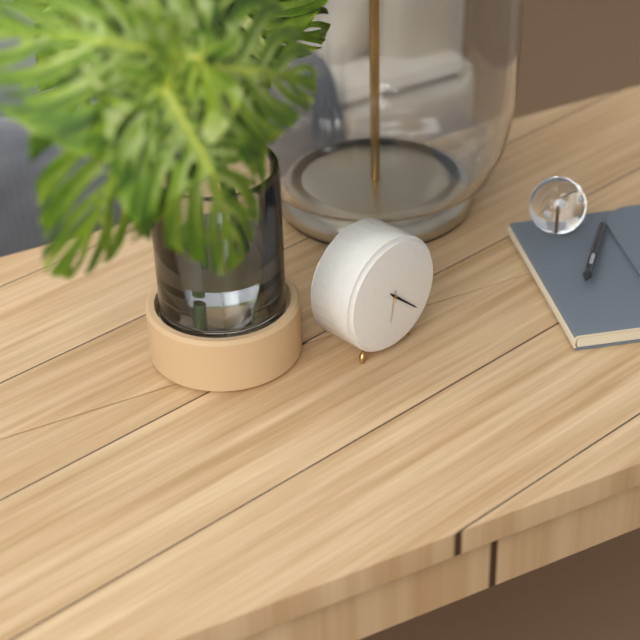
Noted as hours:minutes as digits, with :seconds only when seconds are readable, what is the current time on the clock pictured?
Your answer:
6:22
